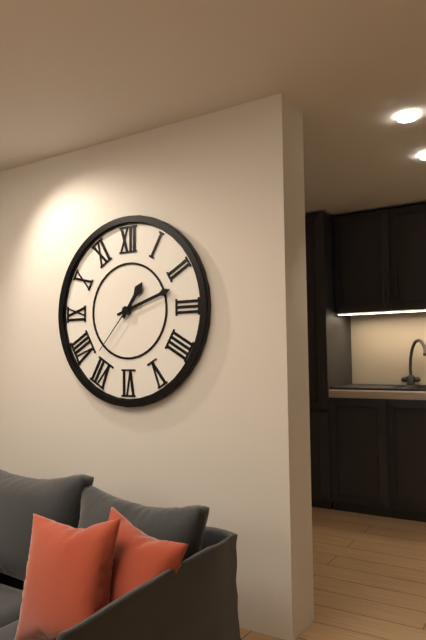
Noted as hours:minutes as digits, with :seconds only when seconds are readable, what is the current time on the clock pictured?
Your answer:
1:12:37
